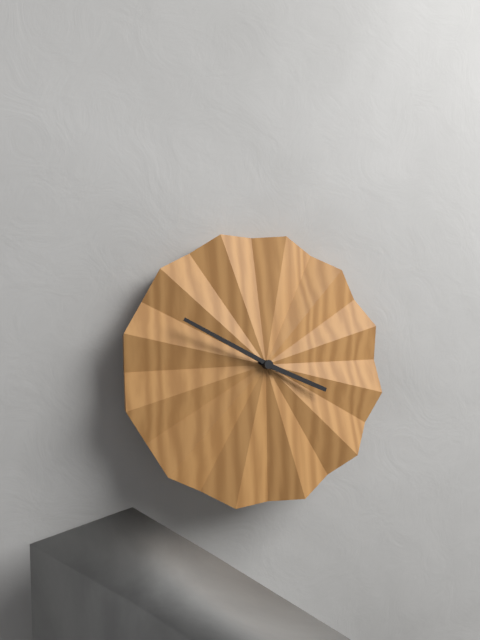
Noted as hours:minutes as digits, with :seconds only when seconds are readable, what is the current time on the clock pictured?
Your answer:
3:50
